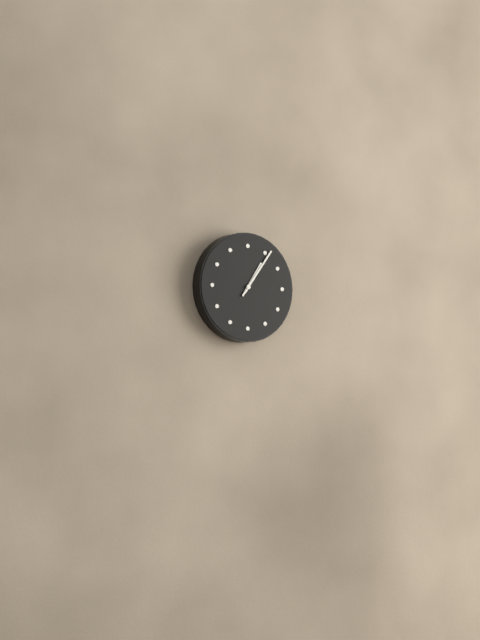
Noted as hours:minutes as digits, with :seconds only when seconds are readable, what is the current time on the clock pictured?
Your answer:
1:06
